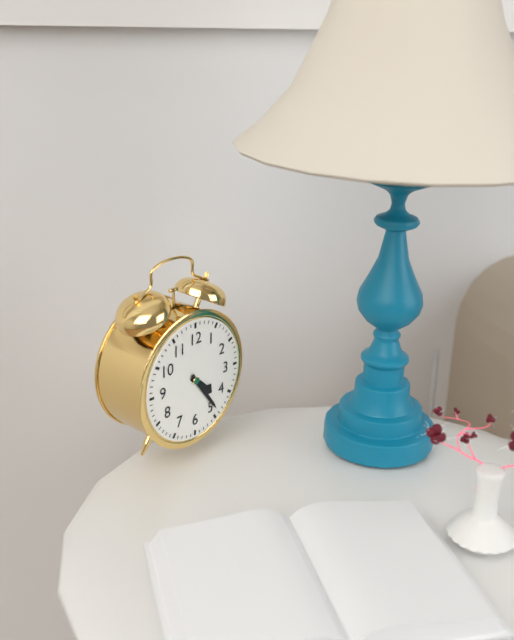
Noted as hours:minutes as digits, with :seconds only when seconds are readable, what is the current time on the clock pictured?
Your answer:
4:24
